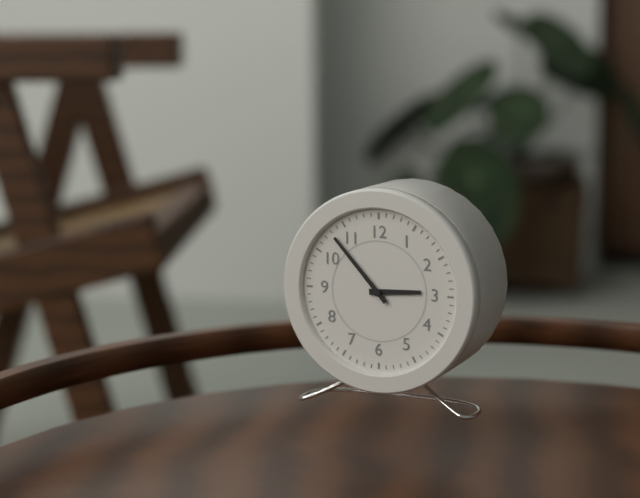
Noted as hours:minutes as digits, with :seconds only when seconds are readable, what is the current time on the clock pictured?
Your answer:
2:53
